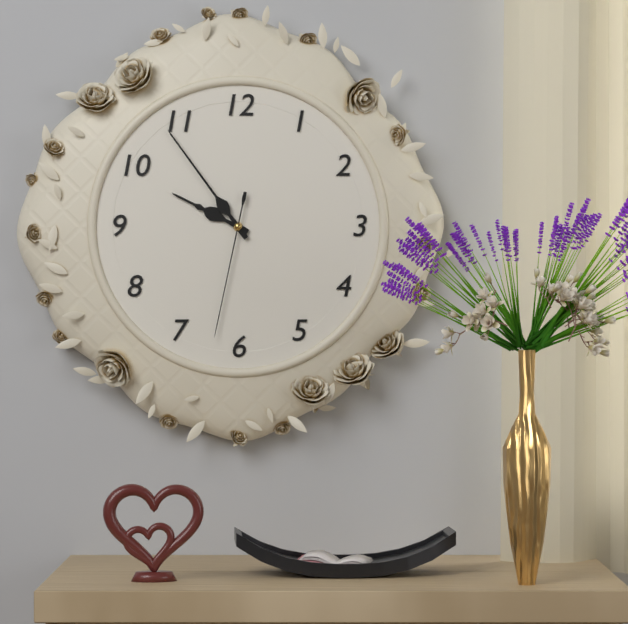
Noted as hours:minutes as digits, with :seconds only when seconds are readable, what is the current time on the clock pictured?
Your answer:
9:54:32
